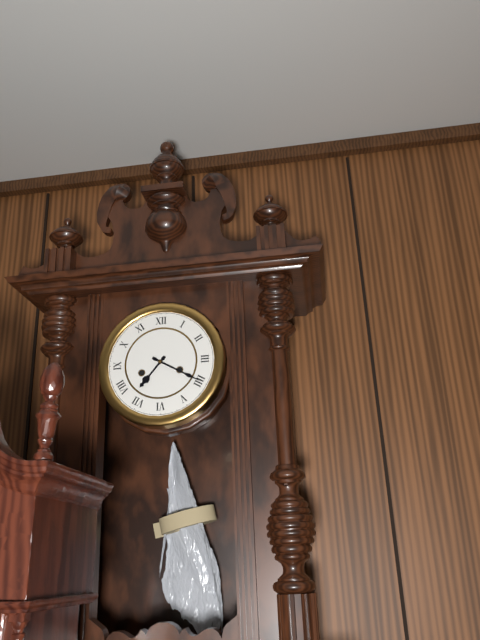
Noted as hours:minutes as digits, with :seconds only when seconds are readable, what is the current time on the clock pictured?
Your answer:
7:20
